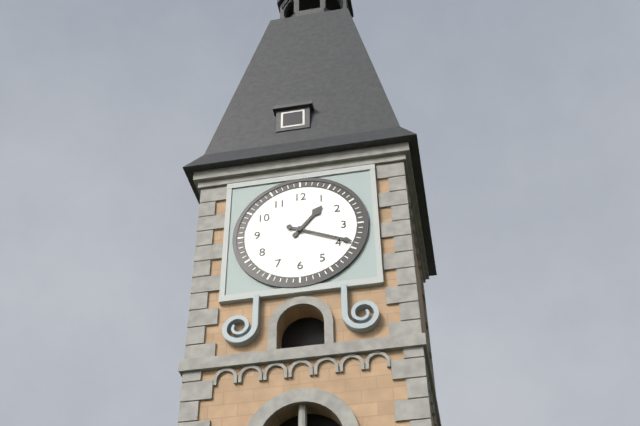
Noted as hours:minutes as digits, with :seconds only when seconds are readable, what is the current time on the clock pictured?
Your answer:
1:19
